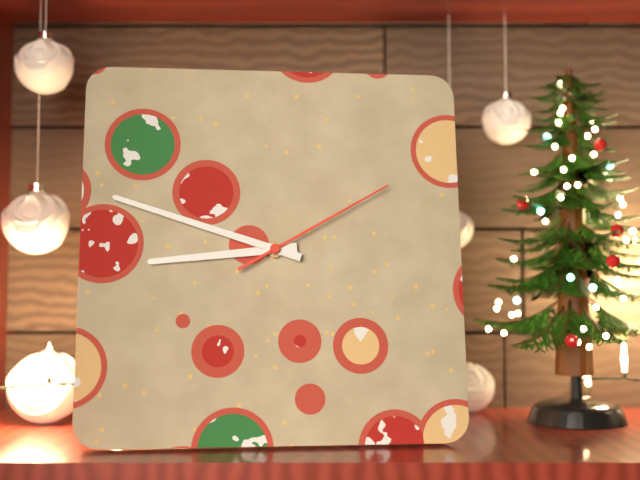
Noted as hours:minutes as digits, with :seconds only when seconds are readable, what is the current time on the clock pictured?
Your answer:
8:48:10
